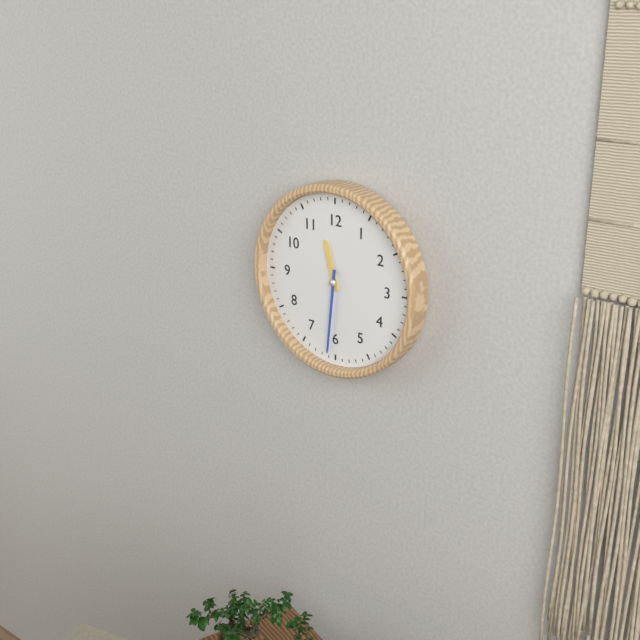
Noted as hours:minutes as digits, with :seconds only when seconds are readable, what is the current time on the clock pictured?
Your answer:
11:31
